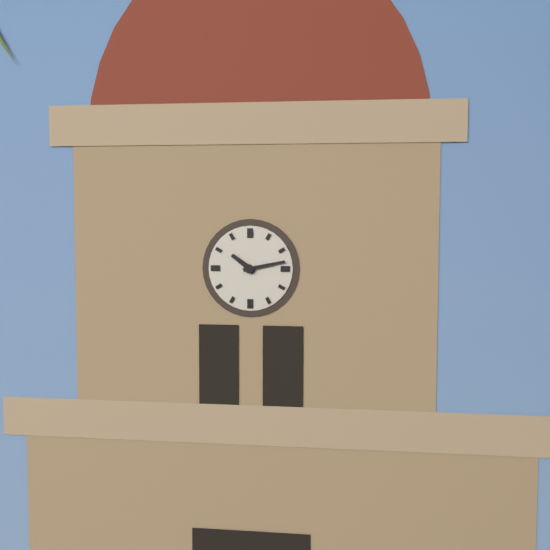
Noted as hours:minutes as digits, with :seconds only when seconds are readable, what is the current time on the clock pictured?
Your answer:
10:13
